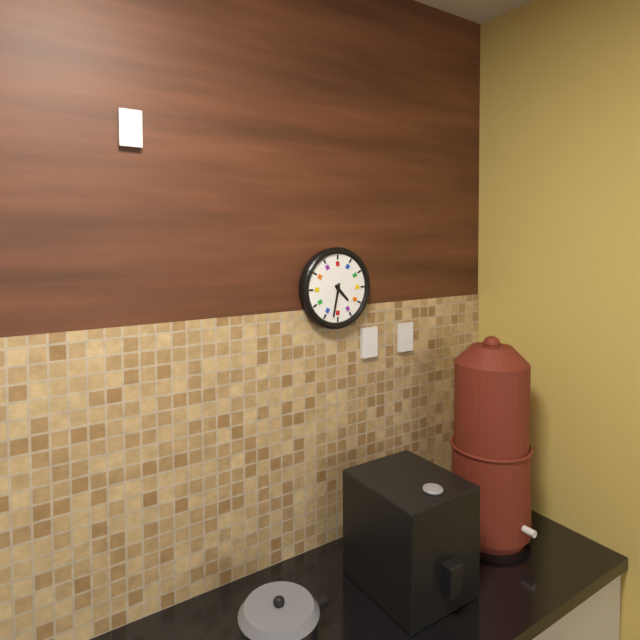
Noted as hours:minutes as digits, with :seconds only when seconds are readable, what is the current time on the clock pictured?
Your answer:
4:32
